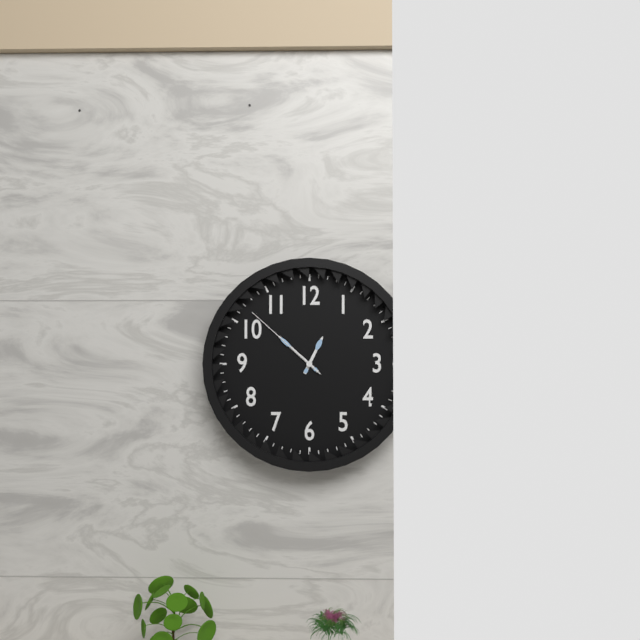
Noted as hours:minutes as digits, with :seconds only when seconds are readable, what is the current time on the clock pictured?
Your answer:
12:52:52
